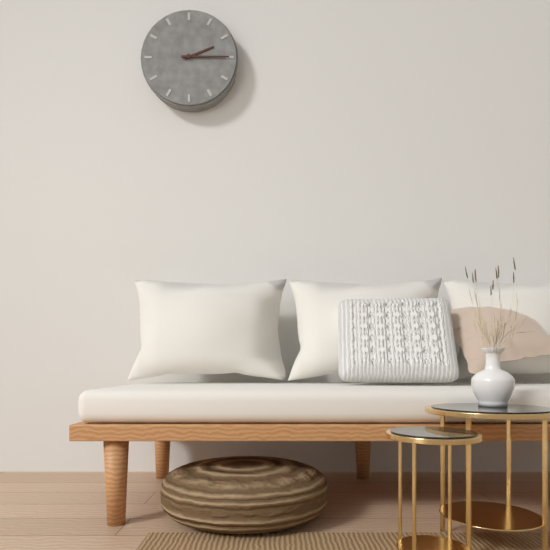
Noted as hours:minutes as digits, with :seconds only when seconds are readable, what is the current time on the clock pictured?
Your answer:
2:15
